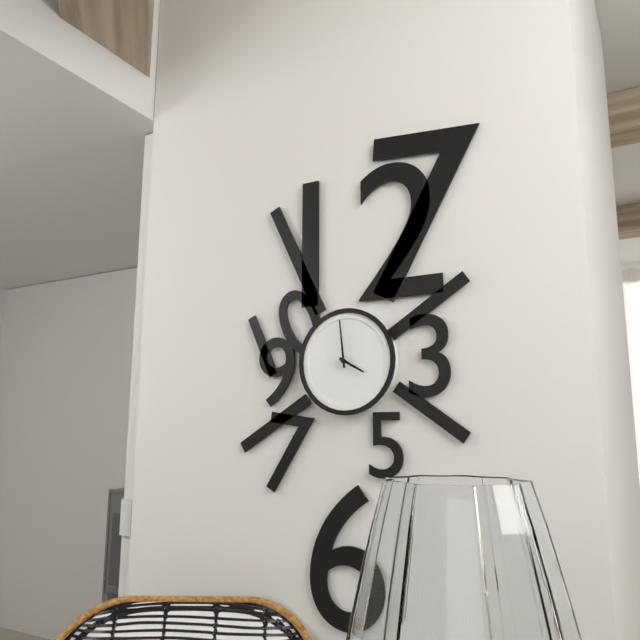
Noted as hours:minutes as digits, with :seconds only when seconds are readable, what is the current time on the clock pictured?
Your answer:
3:59
